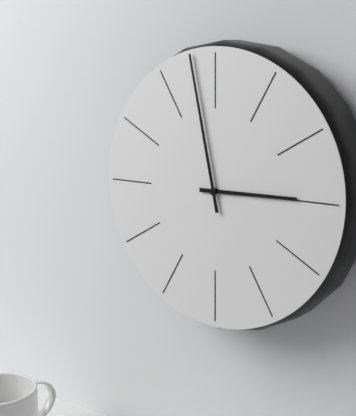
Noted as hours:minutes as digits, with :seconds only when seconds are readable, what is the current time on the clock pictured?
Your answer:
2:58
